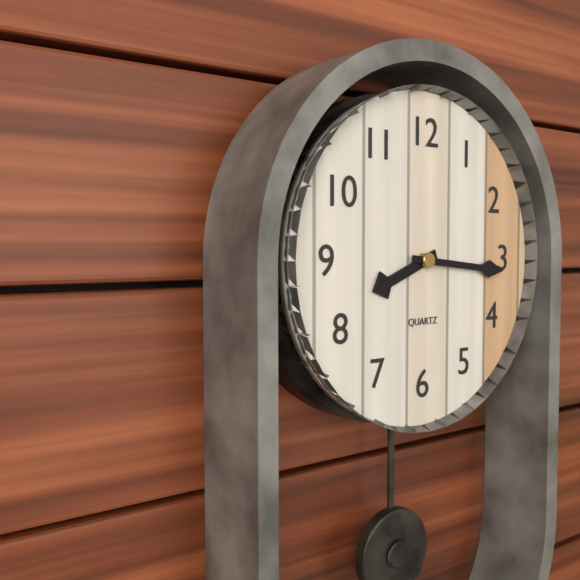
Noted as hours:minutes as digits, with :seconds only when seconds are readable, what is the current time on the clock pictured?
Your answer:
8:16
